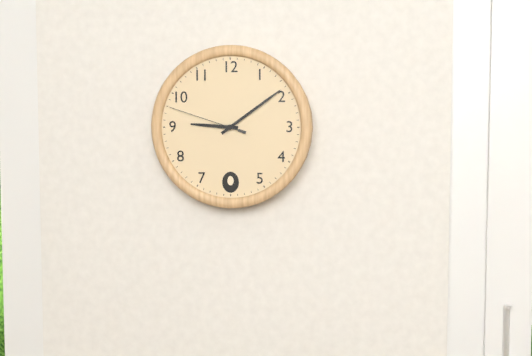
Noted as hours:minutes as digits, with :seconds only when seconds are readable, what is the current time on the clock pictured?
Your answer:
9:09:48
